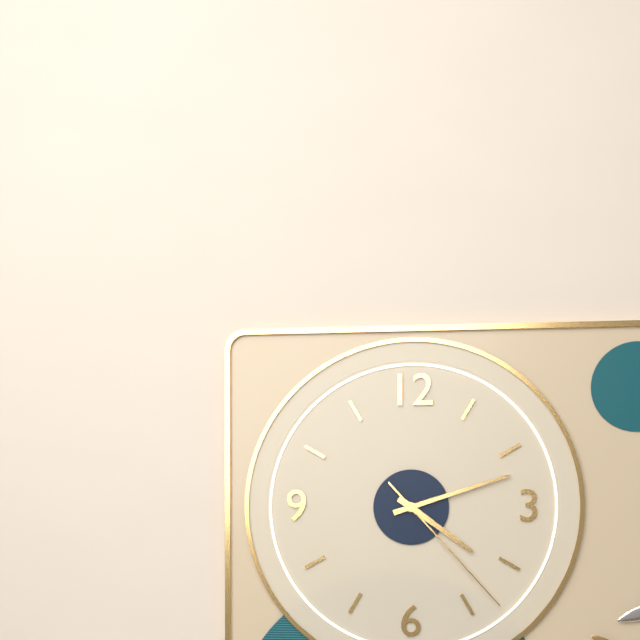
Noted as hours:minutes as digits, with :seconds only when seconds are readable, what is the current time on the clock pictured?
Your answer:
4:12:23
